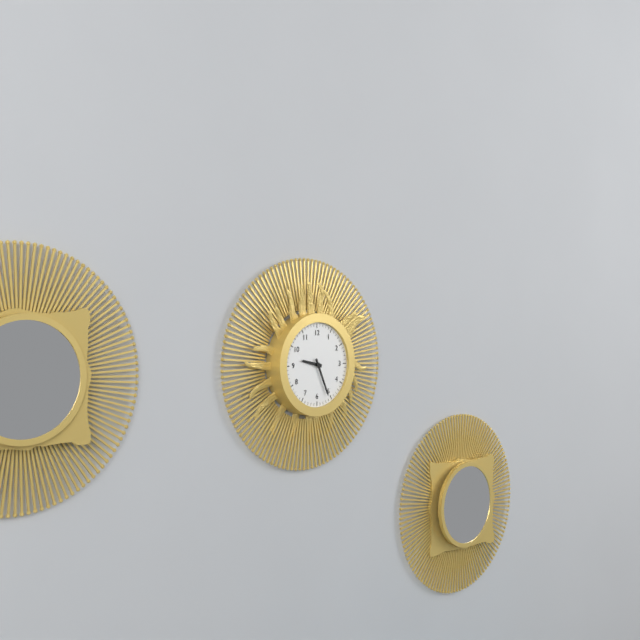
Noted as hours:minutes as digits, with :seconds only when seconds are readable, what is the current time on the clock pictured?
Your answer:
9:26
